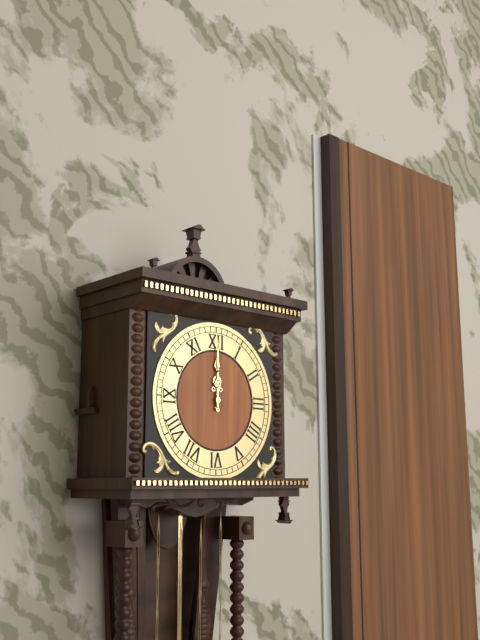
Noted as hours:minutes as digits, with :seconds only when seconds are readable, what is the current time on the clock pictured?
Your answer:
12:00
